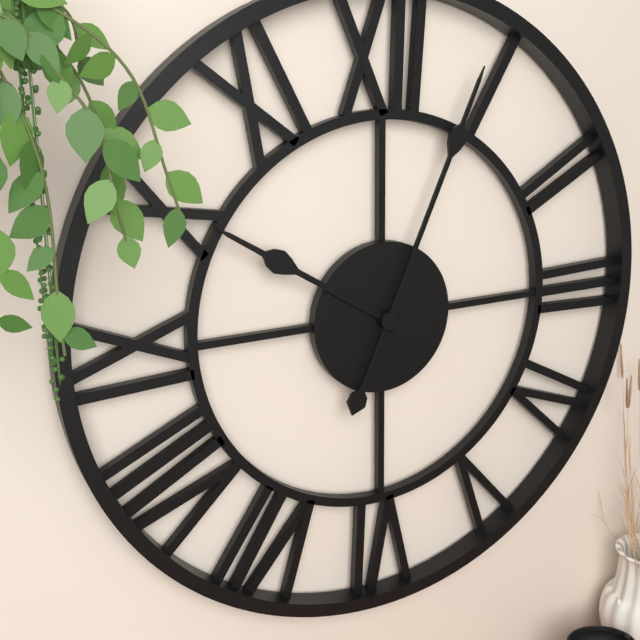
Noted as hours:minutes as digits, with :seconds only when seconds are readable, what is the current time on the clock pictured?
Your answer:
10:04
